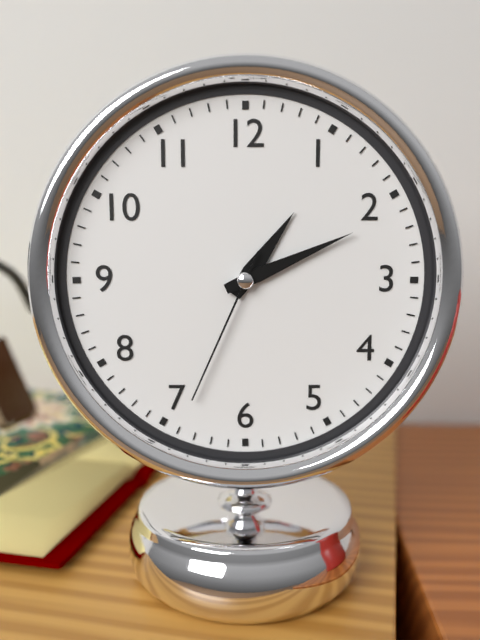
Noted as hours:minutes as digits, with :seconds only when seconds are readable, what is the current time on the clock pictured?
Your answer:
1:11:34
